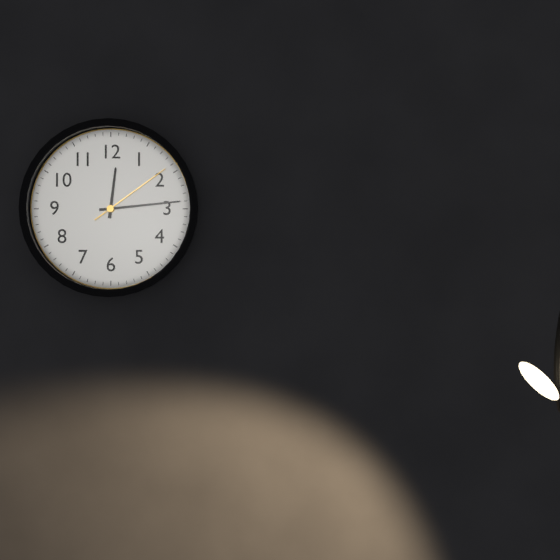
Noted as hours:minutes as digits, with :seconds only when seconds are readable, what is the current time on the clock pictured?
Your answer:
12:14:09
